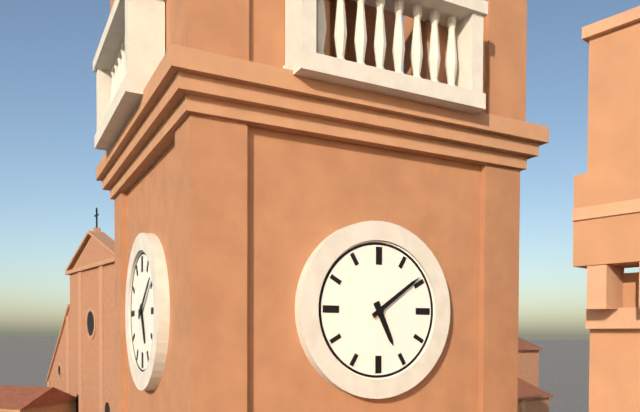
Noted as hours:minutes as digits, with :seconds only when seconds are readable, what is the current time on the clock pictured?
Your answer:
5:09
